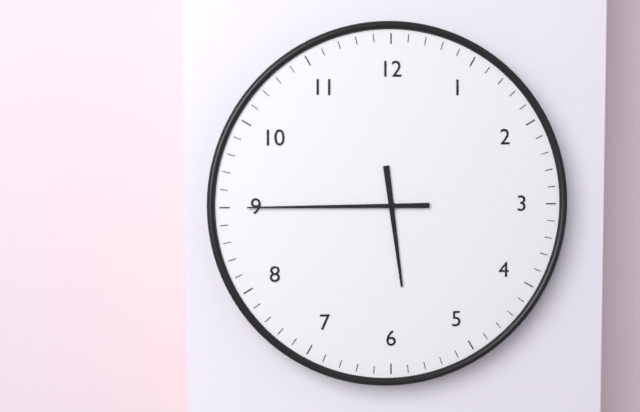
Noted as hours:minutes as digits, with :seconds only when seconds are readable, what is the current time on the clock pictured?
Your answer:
5:45
